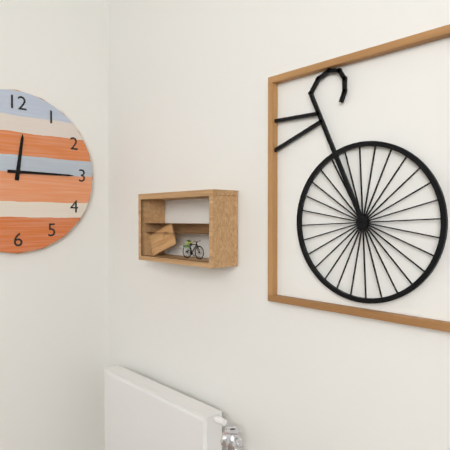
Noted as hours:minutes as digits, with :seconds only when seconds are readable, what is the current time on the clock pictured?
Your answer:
12:15
